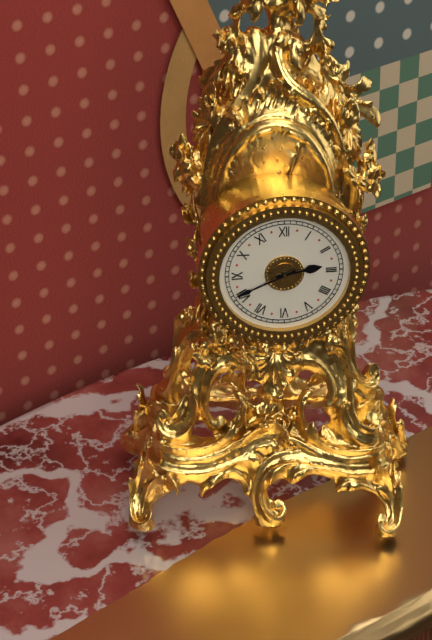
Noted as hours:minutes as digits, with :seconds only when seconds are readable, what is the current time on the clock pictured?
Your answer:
2:41
